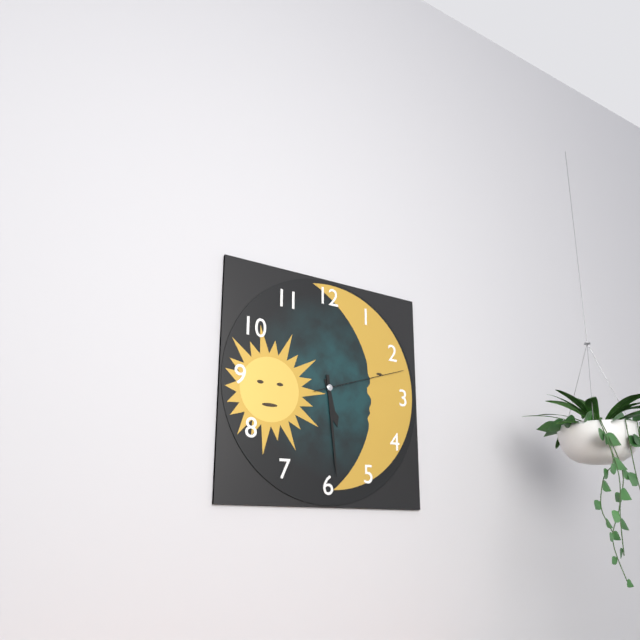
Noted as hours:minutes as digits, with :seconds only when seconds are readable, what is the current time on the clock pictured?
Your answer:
5:29:12
